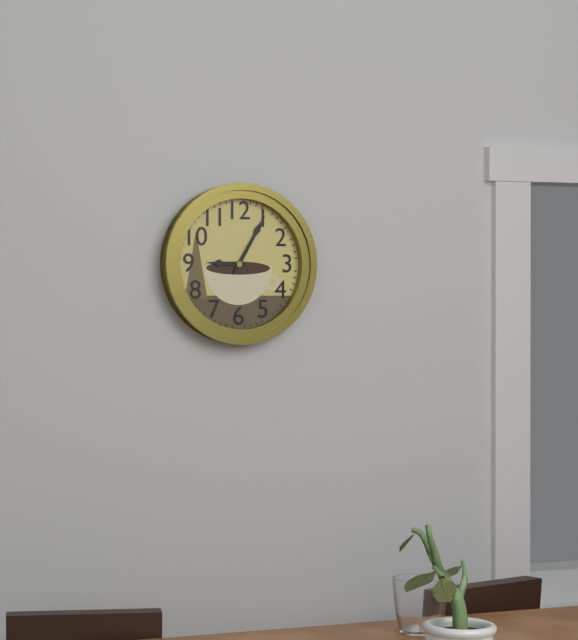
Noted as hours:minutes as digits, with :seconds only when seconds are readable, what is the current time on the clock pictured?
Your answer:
9:05
